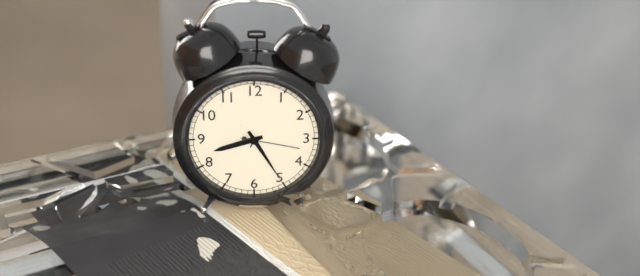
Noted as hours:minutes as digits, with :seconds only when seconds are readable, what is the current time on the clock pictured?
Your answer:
8:25:17
